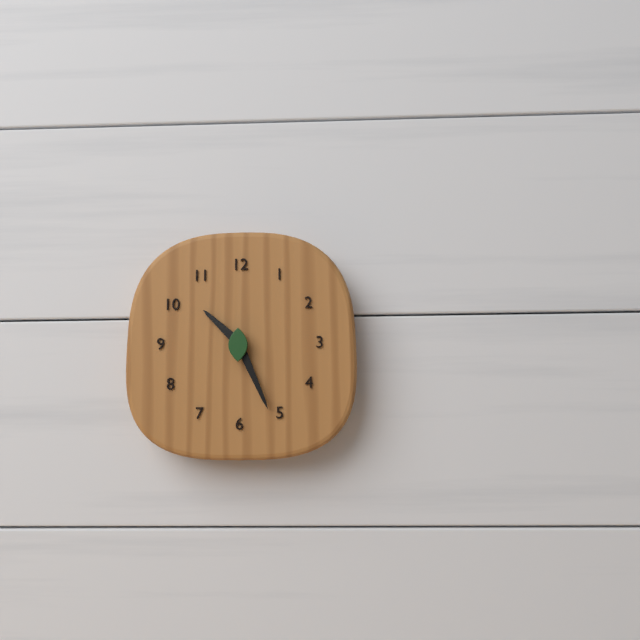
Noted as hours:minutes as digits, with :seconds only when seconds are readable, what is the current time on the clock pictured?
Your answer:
10:26
